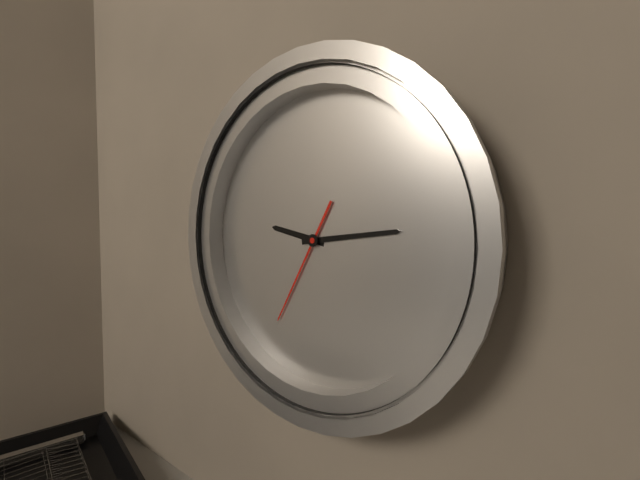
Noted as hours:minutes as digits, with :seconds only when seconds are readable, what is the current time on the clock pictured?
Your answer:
9:13:34
